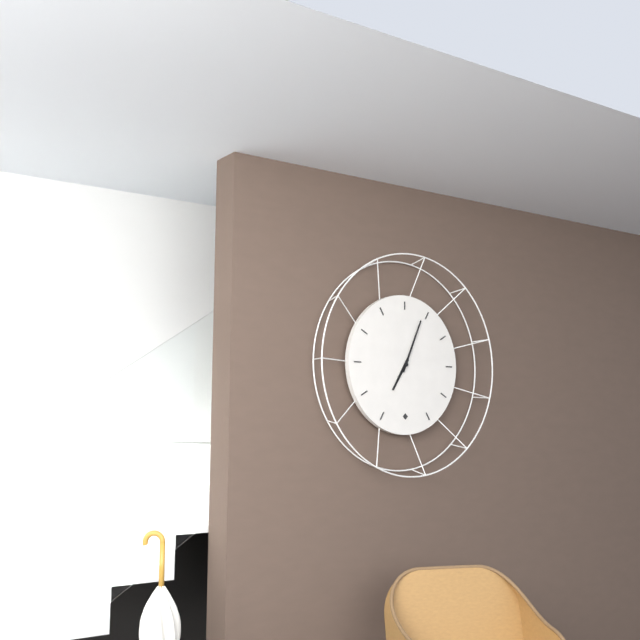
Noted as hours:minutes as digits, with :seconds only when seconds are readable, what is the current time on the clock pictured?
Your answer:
7:04
